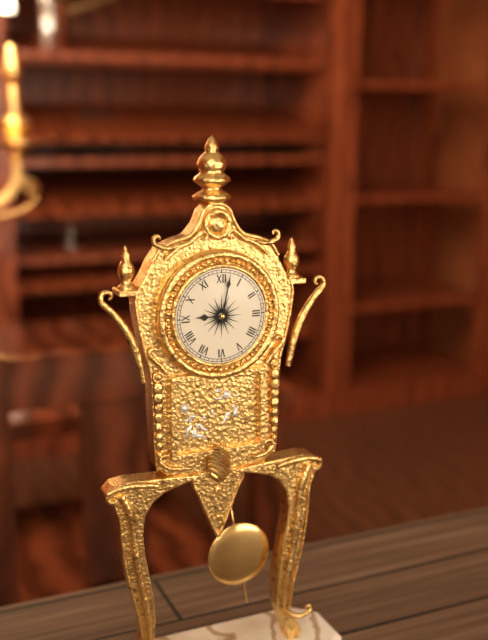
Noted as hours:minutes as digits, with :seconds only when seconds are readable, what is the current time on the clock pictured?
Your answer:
9:02
